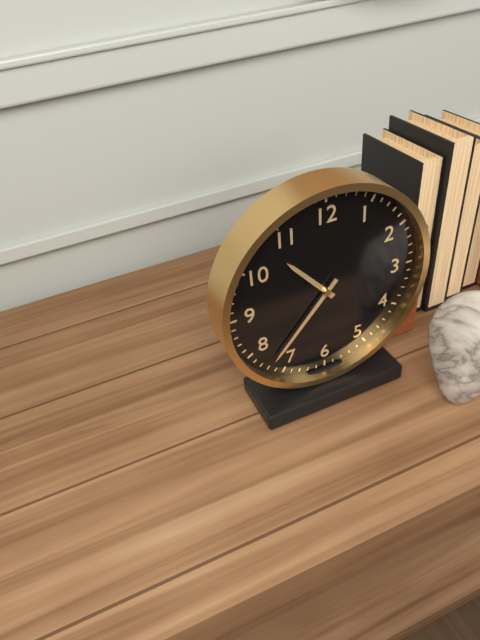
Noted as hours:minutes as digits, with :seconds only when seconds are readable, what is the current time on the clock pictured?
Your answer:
10:37
